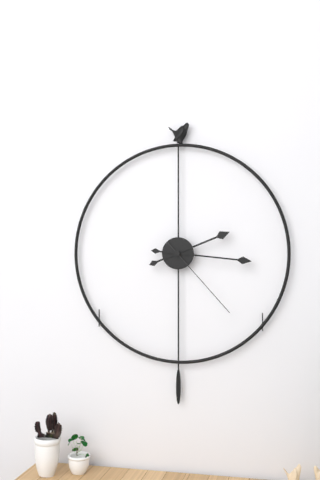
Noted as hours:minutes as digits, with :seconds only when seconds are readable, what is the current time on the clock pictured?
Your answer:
2:16:23
